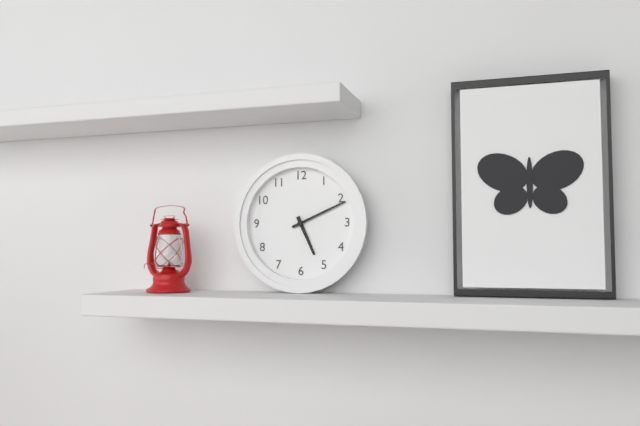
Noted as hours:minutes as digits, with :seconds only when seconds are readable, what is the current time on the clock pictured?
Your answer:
5:11
